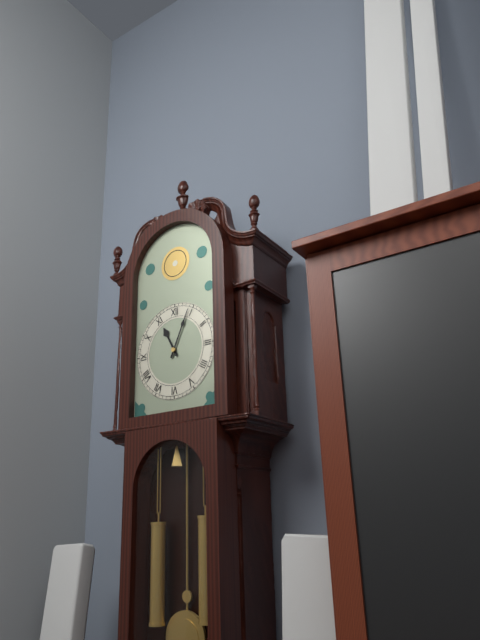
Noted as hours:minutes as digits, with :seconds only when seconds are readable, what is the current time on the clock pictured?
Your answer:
11:04
